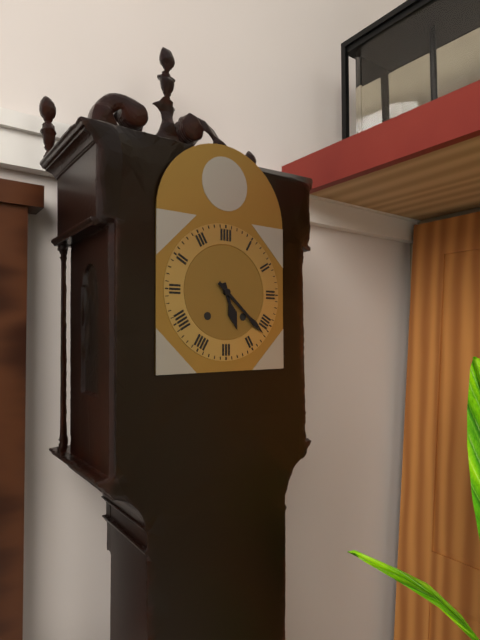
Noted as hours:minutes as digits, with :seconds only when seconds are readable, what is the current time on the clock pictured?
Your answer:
5:22
